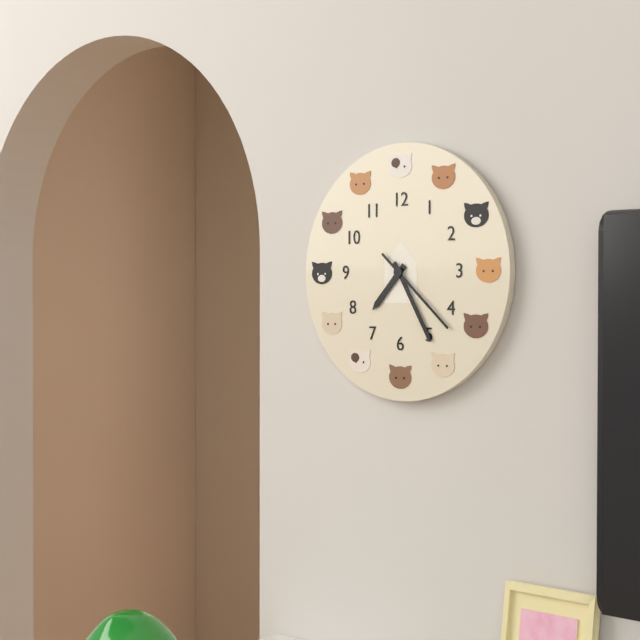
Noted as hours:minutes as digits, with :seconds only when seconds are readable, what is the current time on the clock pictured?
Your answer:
7:25:22
